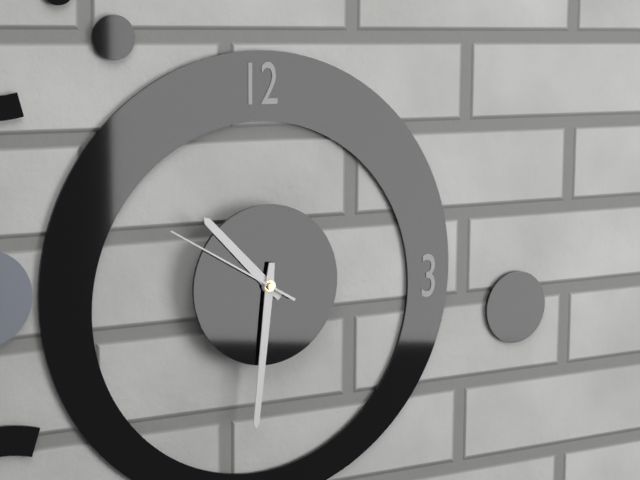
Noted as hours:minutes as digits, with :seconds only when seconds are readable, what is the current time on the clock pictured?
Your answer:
10:31:50
